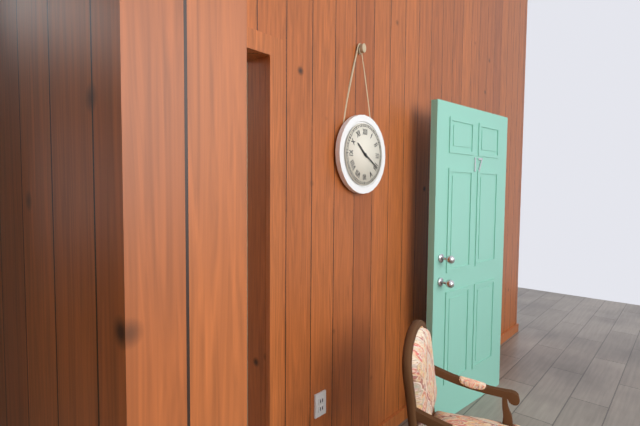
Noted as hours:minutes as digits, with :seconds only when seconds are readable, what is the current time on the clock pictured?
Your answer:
10:20
